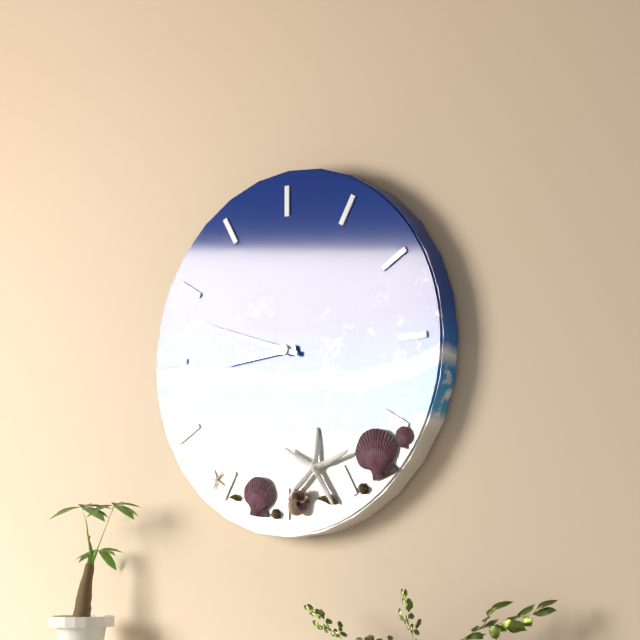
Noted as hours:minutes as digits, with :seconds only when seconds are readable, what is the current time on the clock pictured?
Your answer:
8:48
